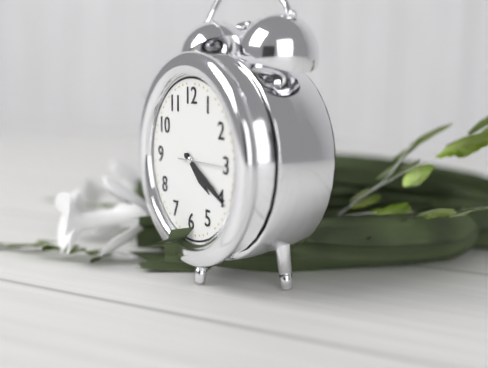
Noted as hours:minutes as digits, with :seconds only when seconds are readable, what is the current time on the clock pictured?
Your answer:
4:20
